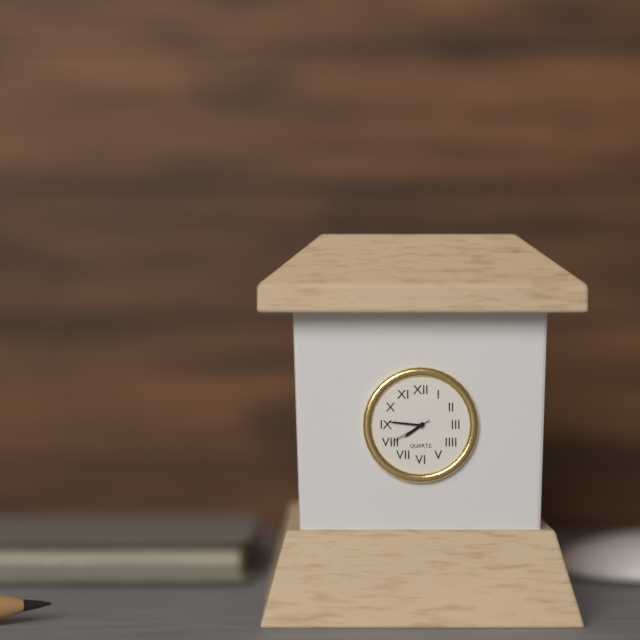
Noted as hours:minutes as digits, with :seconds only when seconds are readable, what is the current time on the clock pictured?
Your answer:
7:46
